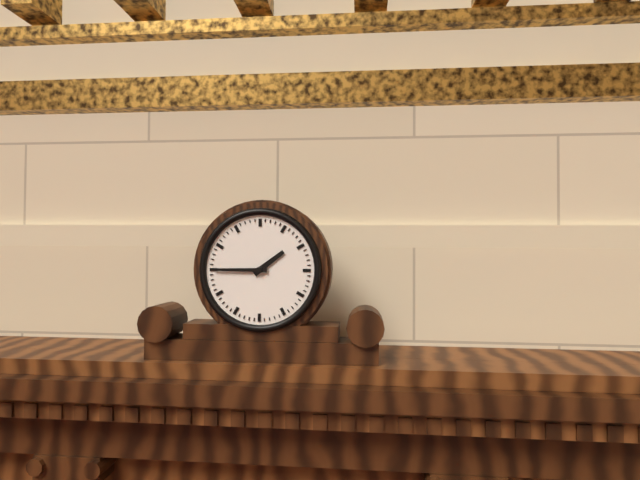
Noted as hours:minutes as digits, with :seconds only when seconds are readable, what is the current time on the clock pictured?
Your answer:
1:45
